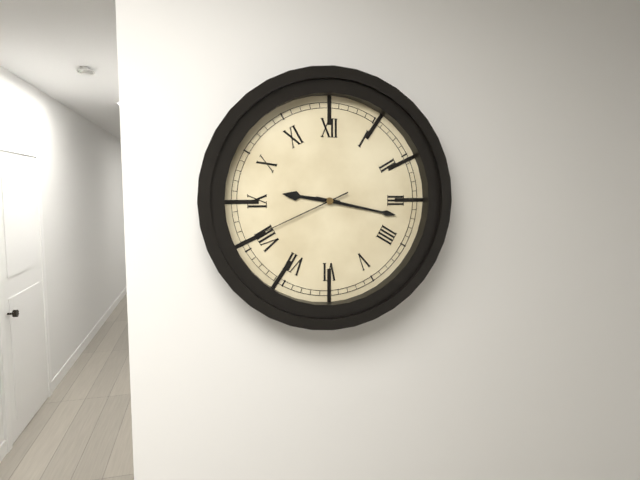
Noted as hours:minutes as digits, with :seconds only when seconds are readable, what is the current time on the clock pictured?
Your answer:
9:17:41
